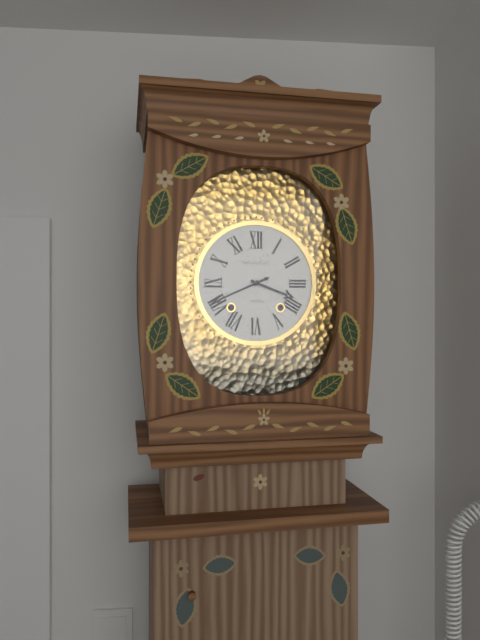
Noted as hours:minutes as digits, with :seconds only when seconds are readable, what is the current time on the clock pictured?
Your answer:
3:41
